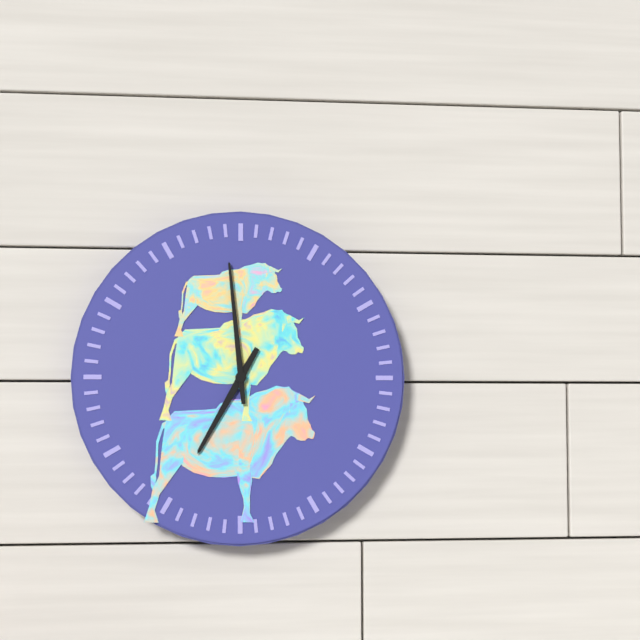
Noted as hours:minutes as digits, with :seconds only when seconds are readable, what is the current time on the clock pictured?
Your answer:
6:59
